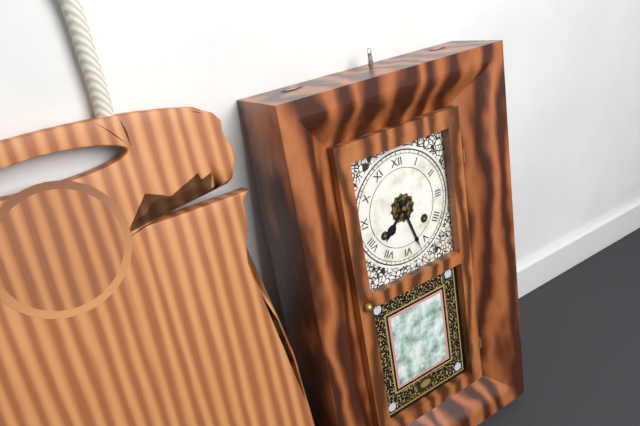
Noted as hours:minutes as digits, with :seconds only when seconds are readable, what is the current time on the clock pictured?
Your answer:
7:27
